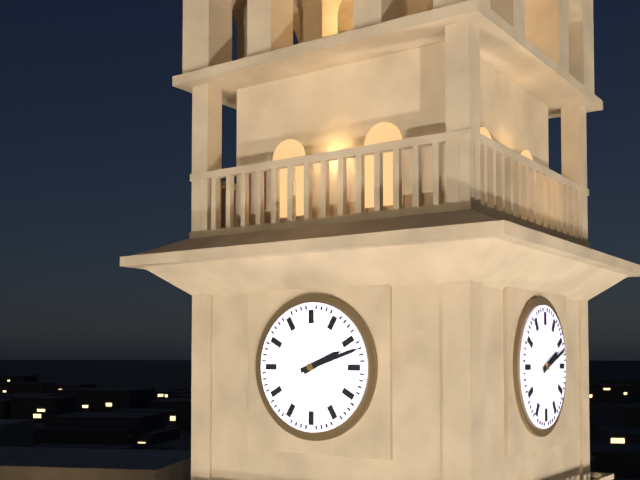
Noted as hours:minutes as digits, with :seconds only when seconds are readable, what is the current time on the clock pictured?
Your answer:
2:12
